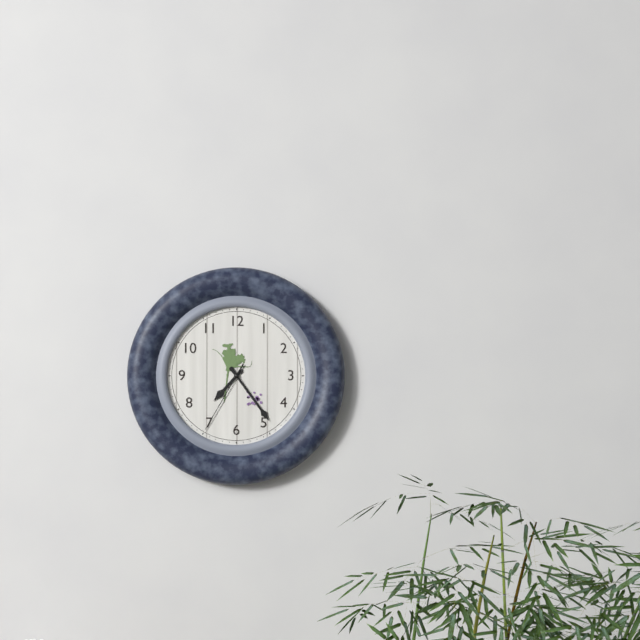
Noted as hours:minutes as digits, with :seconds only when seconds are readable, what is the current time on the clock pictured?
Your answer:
7:24:35
